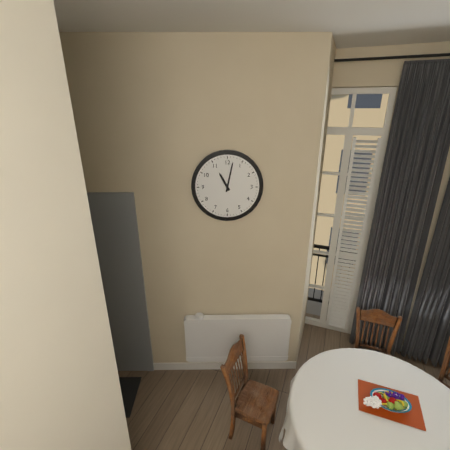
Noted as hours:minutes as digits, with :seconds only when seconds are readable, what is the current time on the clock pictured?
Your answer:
11:02
